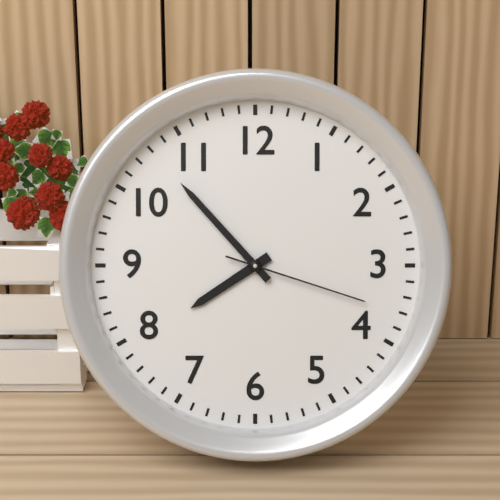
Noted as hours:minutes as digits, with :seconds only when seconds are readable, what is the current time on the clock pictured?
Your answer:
7:53:18
